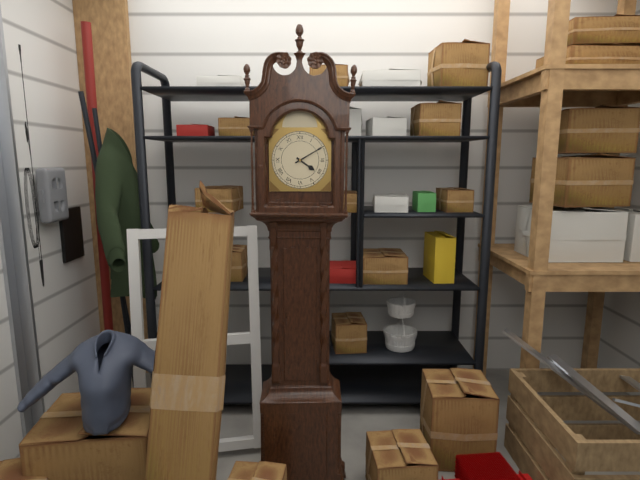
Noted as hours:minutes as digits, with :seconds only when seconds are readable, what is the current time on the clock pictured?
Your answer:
4:10
